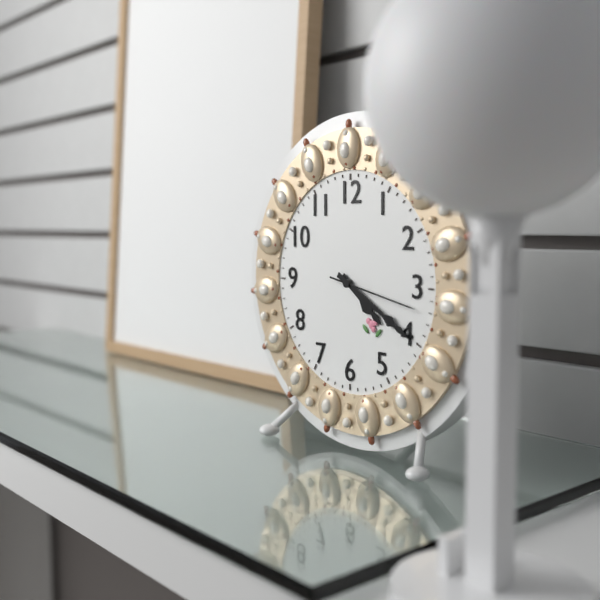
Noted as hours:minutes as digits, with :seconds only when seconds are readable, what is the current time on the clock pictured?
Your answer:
4:20:17
